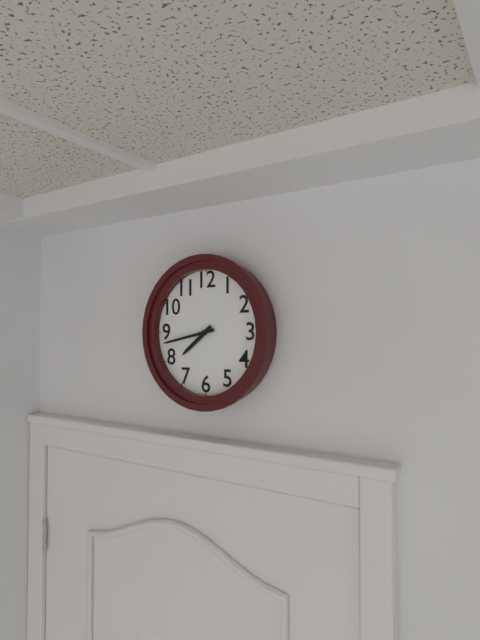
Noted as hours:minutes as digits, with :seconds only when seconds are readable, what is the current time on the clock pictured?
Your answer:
7:43
